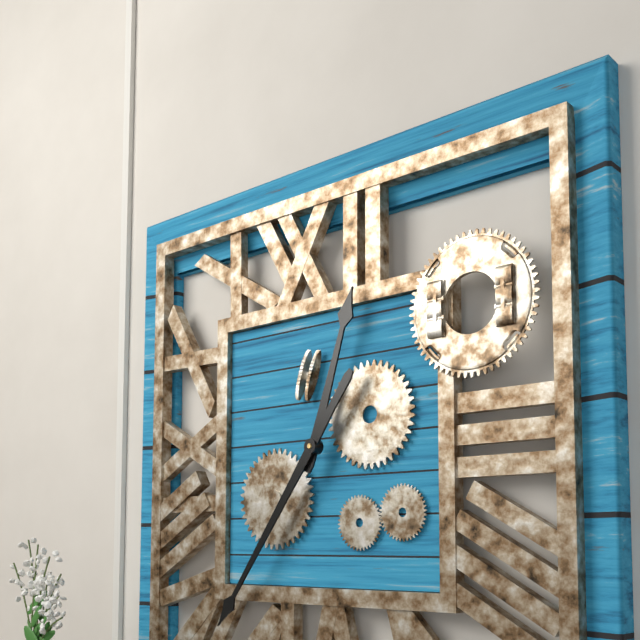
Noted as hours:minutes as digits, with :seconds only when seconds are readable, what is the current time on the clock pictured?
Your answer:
12:36
